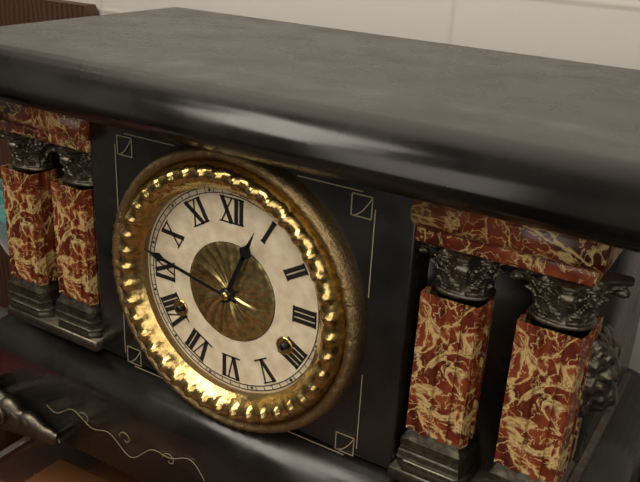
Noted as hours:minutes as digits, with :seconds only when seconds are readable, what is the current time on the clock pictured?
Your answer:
12:47
